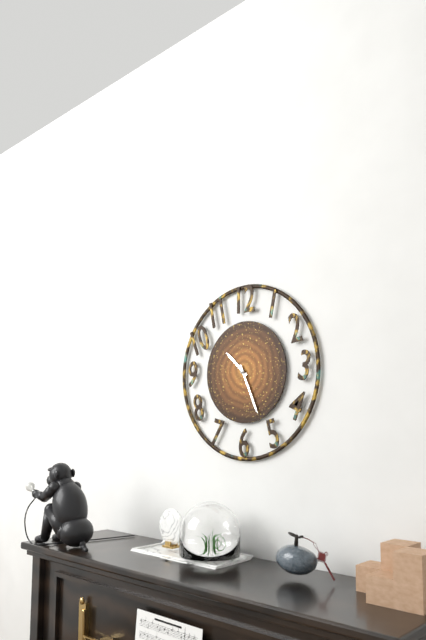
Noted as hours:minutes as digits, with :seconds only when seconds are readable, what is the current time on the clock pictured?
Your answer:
10:26
